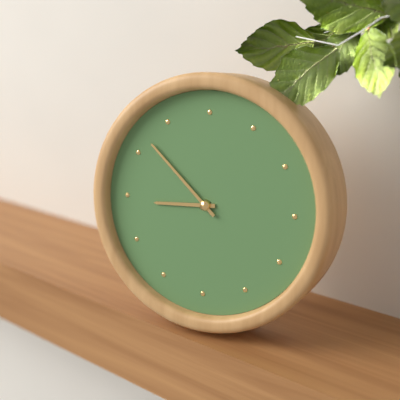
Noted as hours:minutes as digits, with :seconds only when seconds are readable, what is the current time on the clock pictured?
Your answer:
8:52
